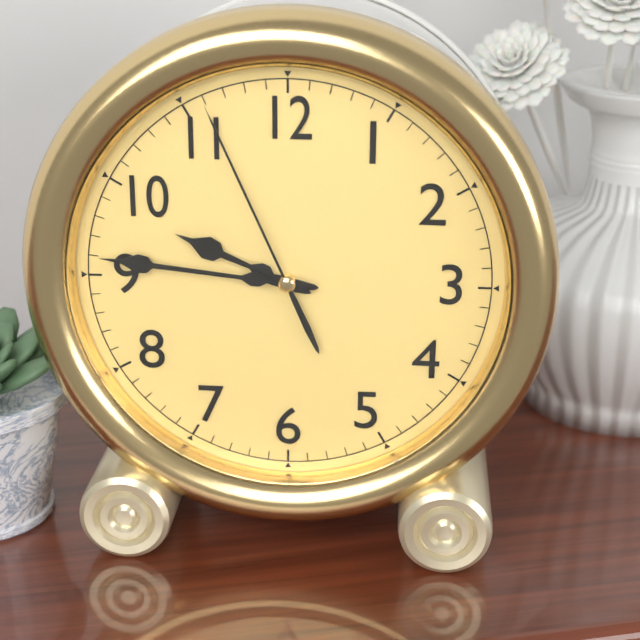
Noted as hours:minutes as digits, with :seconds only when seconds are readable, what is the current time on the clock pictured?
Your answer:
9:46:56
